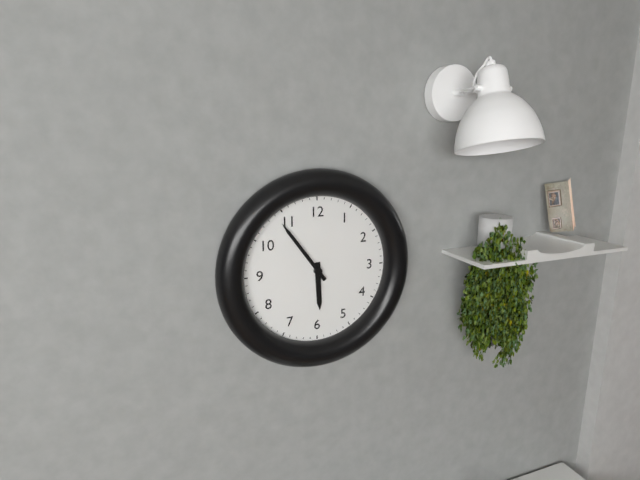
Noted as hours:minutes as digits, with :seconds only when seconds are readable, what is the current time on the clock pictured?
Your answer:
5:54
